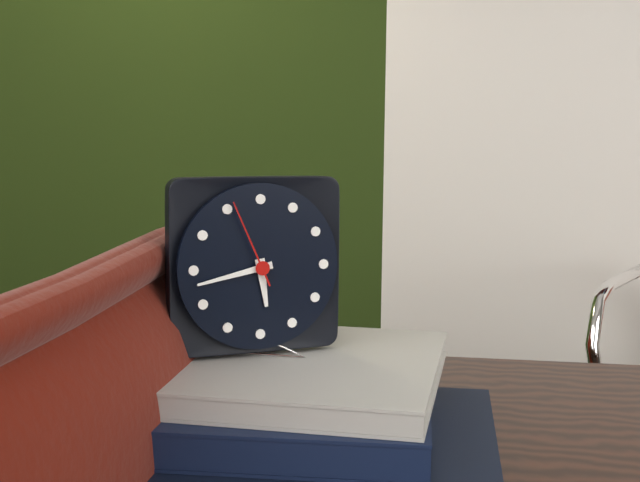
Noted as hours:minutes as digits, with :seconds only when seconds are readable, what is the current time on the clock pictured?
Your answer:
5:43:56
